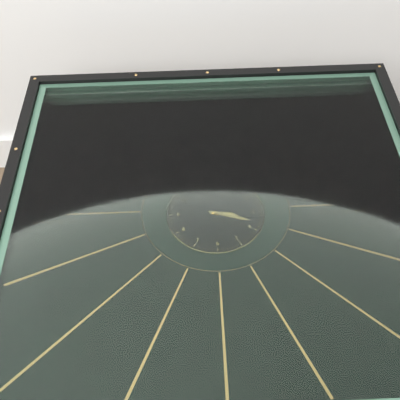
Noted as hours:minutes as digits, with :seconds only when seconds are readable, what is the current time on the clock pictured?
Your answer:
3:18
